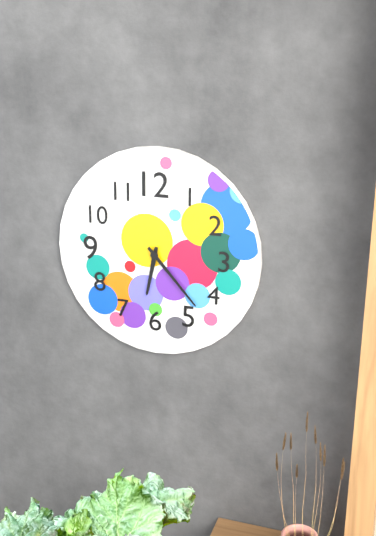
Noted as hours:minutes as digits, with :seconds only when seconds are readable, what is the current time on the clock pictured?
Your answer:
6:23
